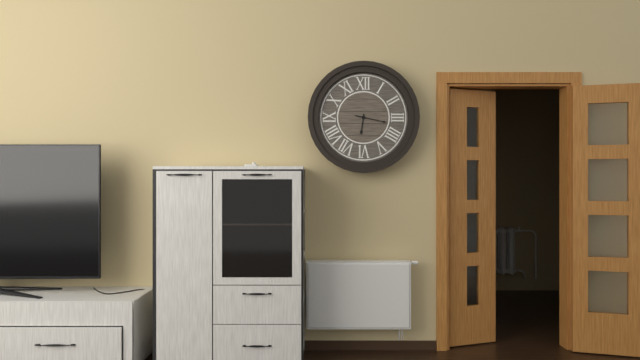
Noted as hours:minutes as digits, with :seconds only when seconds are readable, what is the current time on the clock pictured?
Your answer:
6:17
